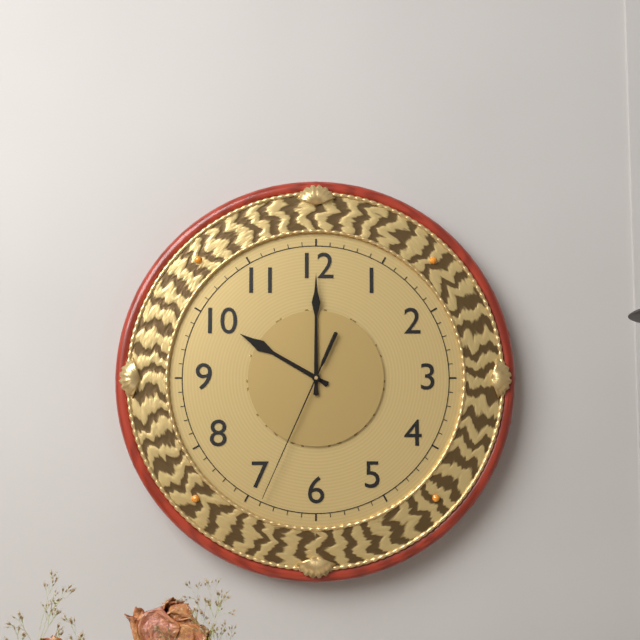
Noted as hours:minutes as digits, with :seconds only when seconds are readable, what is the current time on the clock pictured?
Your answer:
10:00:34
